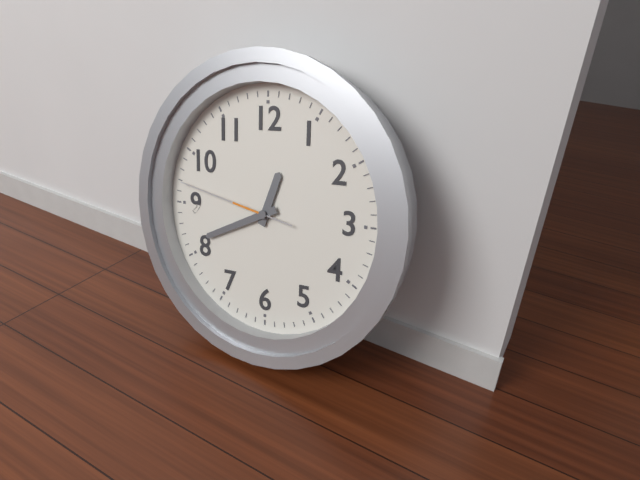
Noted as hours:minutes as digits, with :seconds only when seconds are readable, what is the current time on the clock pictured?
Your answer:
12:41:47
